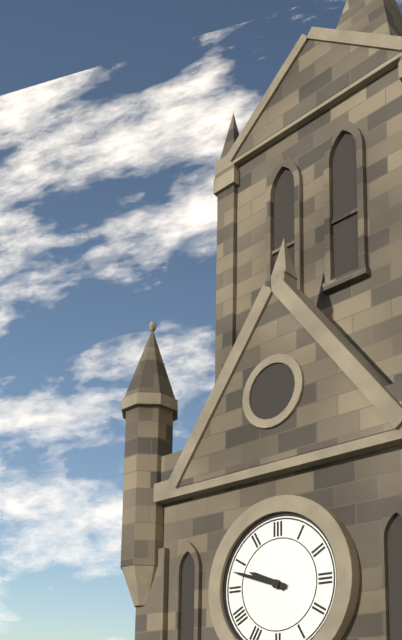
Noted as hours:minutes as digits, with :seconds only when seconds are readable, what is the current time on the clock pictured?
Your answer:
9:48
